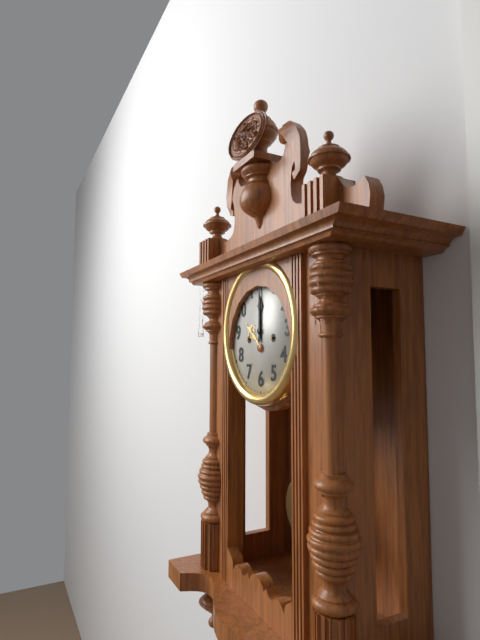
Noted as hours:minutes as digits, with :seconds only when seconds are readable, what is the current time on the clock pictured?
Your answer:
12:00
